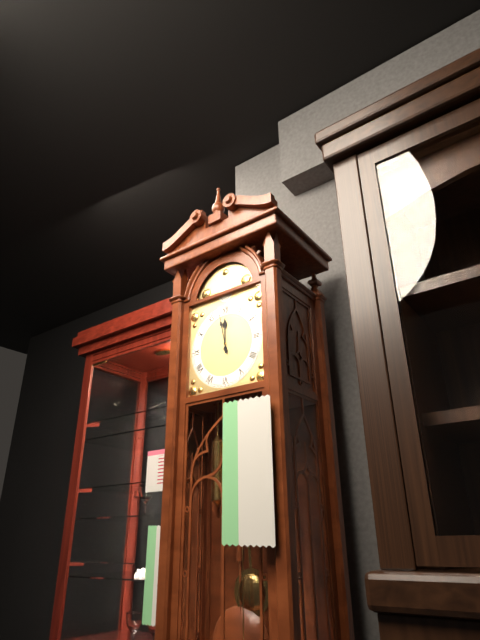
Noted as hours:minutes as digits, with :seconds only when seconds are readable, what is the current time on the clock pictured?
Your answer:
11:58
